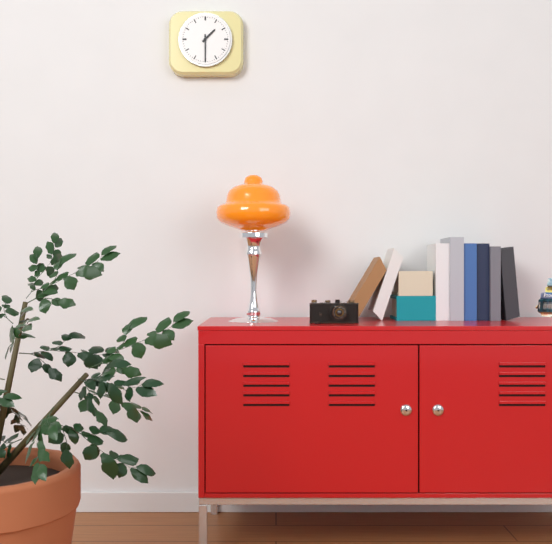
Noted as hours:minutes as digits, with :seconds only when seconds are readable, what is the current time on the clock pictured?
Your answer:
1:30
